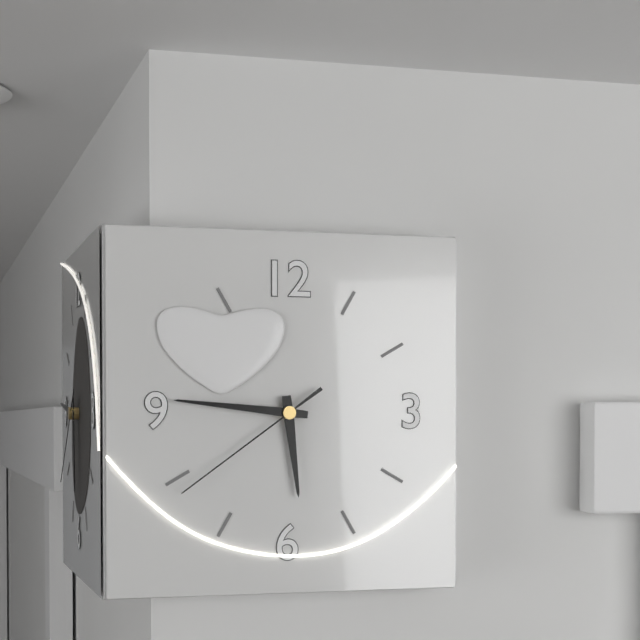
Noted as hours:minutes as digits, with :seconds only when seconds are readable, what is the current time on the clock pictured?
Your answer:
5:46:39
